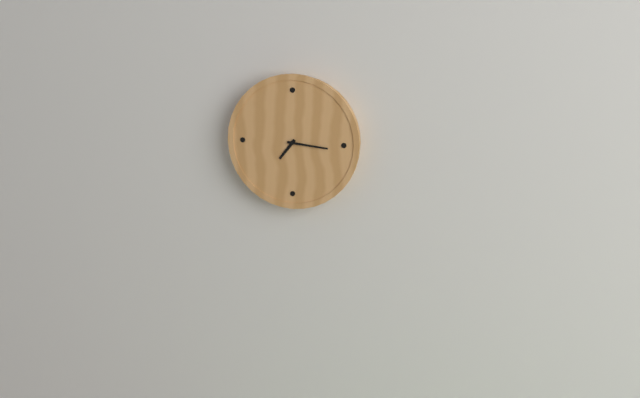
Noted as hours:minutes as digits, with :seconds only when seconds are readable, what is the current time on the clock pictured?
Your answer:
7:16
